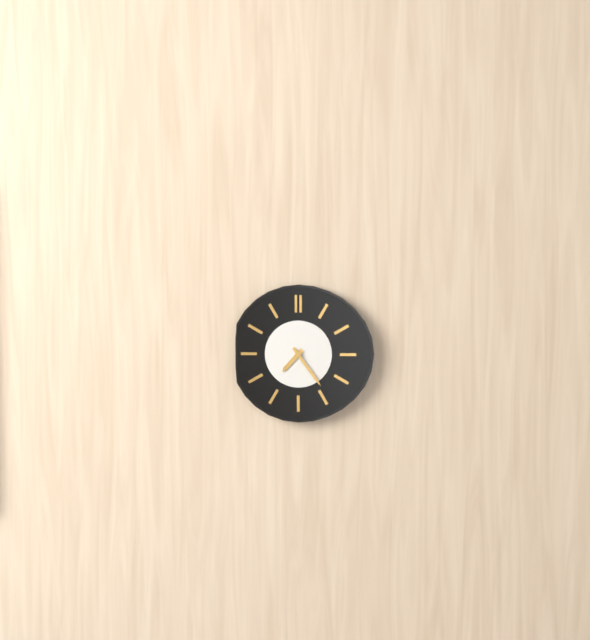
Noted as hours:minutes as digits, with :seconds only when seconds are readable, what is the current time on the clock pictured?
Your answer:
7:24
